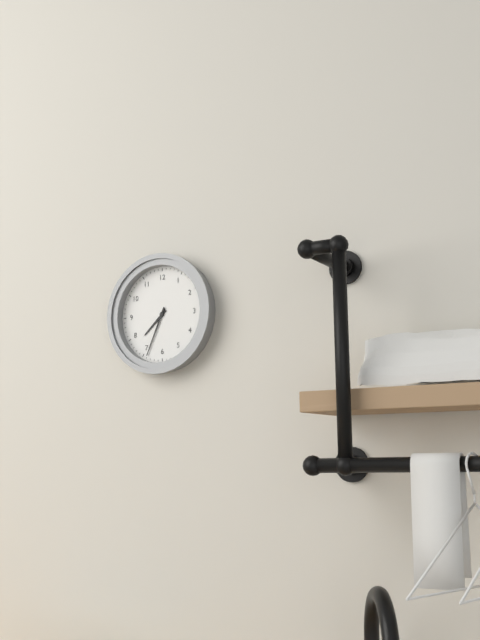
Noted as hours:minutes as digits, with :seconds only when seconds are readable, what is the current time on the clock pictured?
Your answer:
7:34
